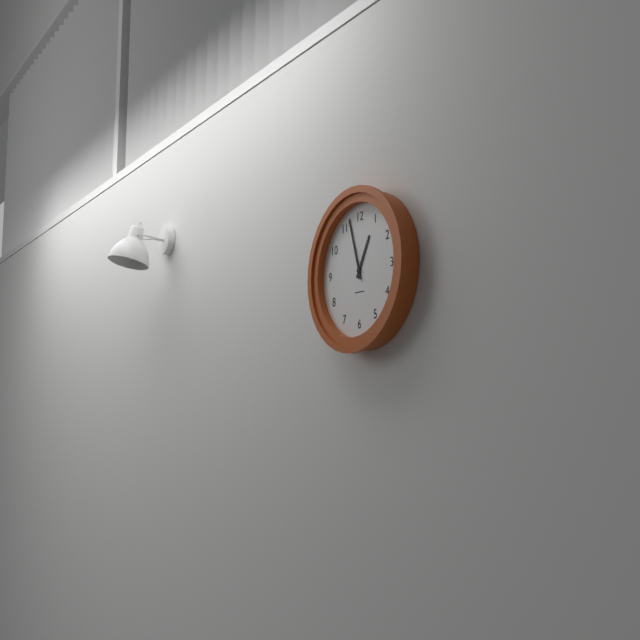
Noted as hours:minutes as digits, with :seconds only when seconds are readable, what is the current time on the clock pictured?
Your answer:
12:57
